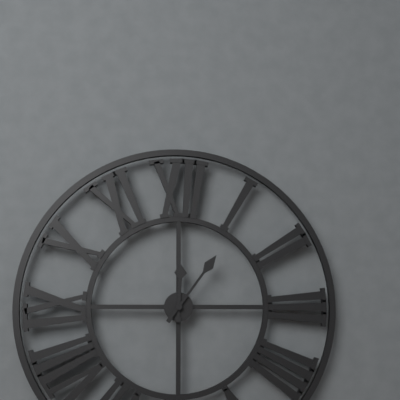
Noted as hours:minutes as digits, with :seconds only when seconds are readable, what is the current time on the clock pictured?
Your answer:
12:06
